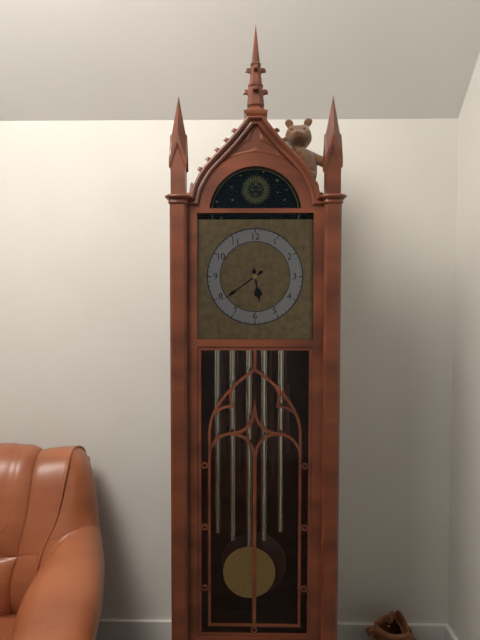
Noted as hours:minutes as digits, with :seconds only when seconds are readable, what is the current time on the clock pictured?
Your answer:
5:39
